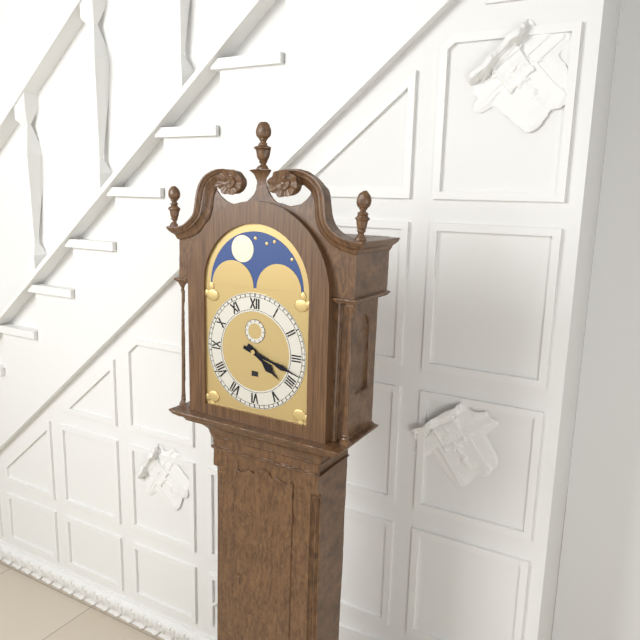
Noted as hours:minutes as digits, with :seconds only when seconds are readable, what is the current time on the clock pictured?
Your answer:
4:18
